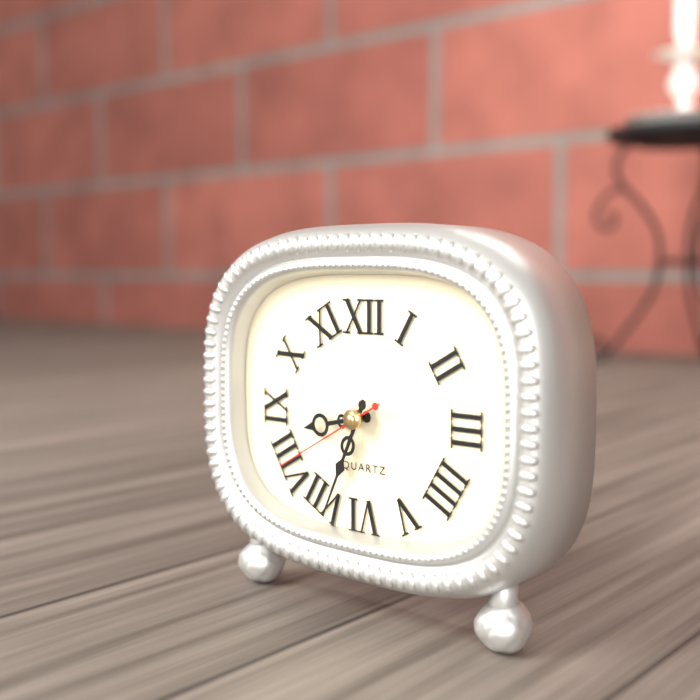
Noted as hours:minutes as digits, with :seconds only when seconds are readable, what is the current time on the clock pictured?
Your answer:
8:34:40
